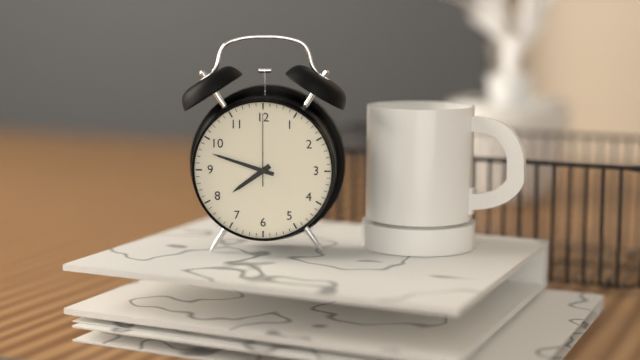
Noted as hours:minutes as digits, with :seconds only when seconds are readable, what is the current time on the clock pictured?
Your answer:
7:48:00
